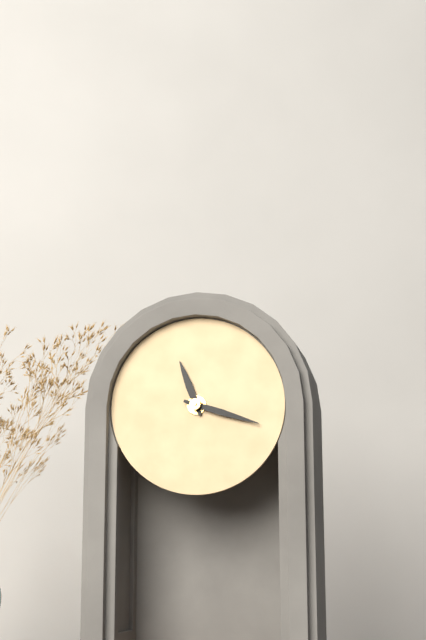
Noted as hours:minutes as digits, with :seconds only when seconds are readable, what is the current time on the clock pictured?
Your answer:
11:18
